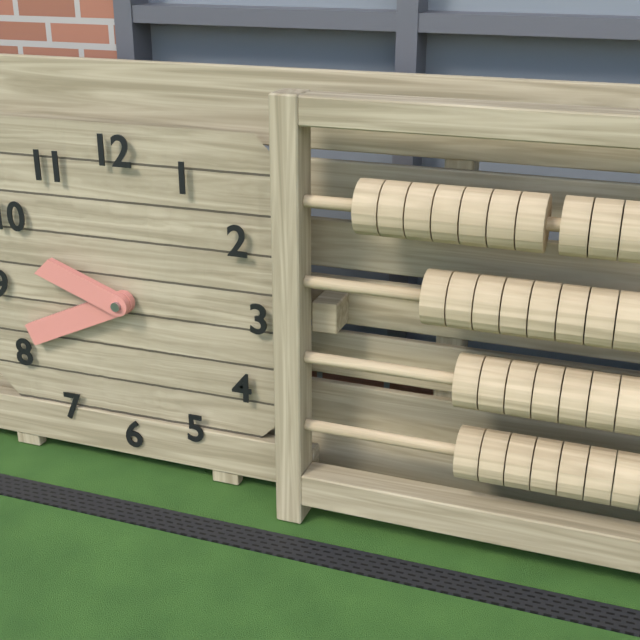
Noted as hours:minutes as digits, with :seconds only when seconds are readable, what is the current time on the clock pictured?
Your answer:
9:41
